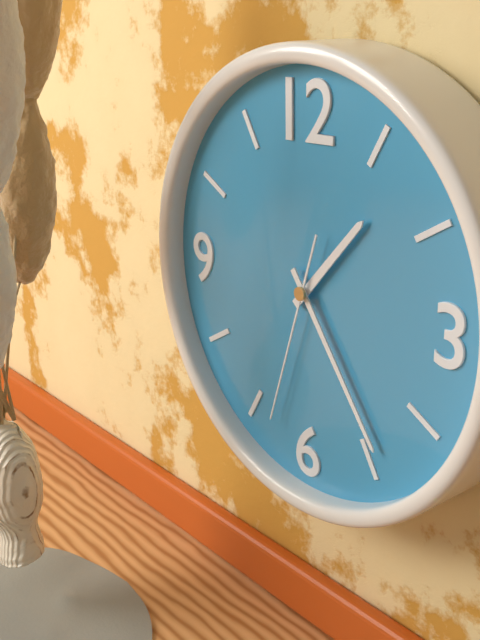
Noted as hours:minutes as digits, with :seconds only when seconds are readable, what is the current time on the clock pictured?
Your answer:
1:24:33
